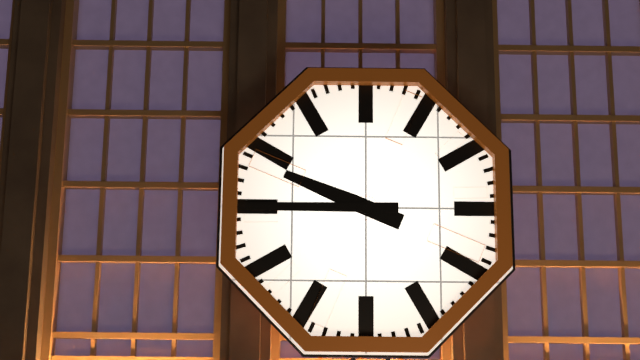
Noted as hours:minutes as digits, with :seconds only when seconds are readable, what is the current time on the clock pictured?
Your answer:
9:45
